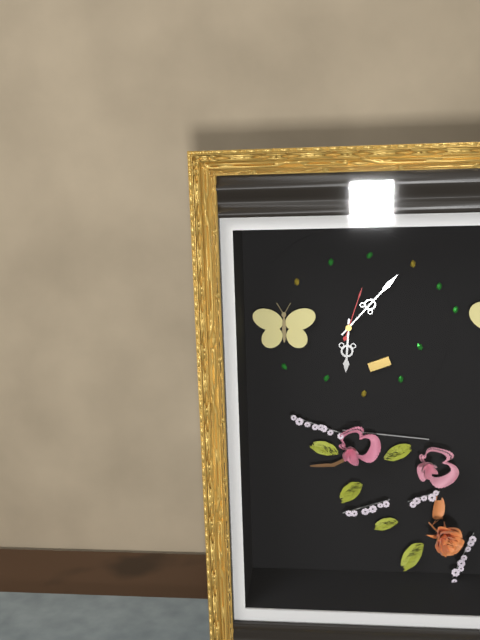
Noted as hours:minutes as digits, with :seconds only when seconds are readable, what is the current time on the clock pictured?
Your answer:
6:07:03
